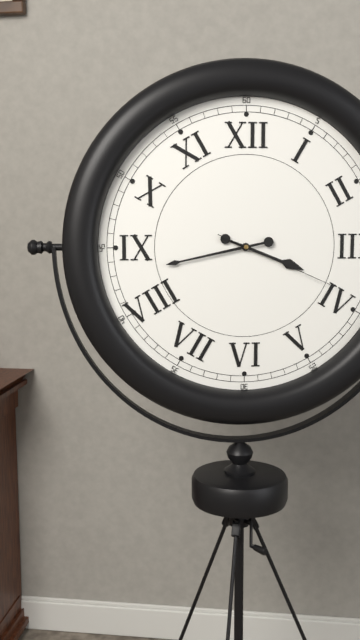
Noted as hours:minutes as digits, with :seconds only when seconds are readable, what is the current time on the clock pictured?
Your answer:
3:43:19
